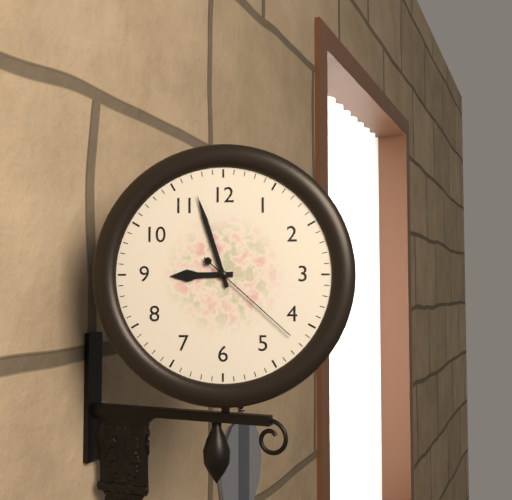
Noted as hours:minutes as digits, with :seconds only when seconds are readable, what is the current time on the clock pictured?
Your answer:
8:57:22
